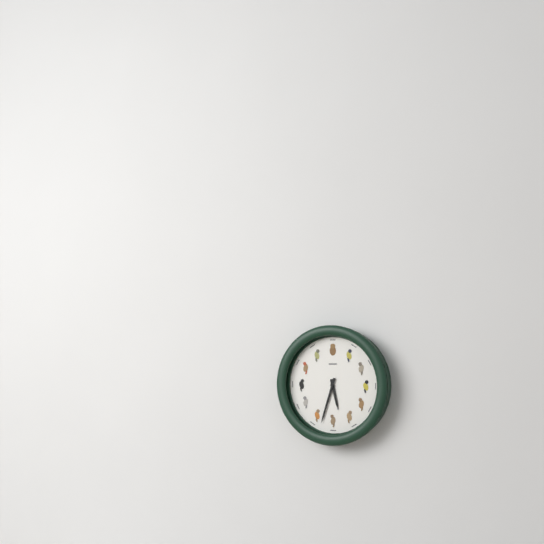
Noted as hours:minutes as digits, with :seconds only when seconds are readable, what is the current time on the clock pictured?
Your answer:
5:33
